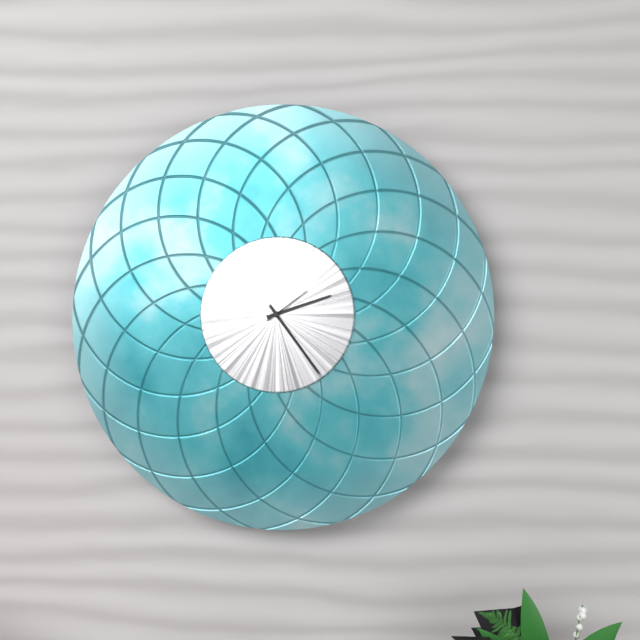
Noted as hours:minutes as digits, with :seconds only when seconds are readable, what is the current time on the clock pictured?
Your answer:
2:24
